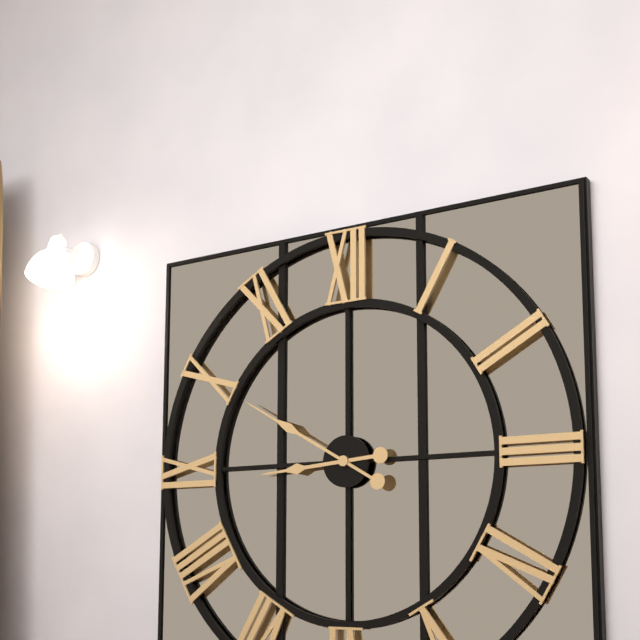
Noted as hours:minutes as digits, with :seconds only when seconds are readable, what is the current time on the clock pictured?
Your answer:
8:50
